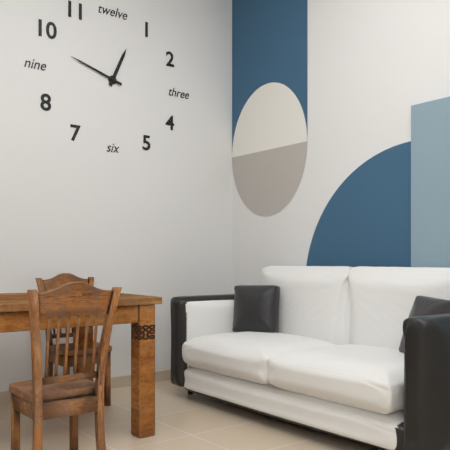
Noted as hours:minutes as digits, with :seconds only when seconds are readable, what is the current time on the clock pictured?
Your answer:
12:48
